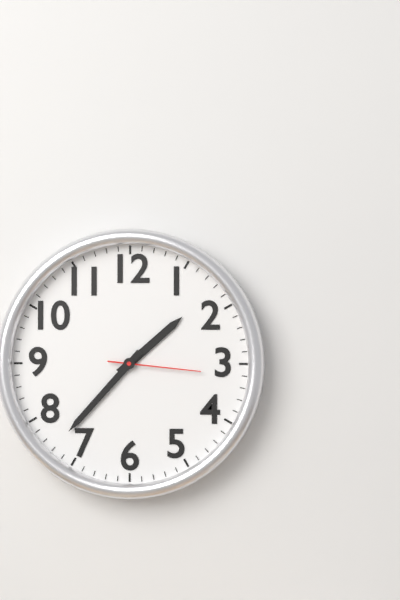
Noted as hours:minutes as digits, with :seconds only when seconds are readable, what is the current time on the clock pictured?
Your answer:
1:37:16
